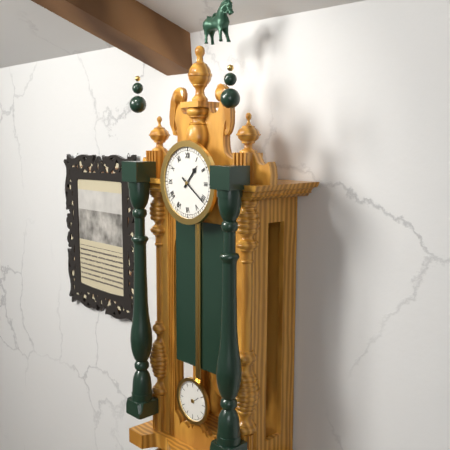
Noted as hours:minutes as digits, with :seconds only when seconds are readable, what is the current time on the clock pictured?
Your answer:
1:21
